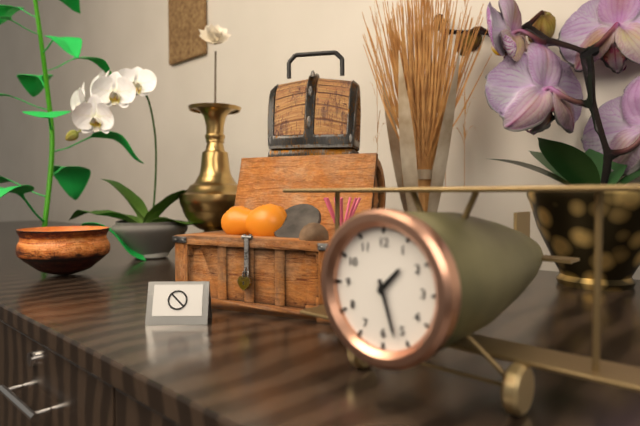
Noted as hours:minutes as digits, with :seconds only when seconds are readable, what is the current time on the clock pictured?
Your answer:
1:27
